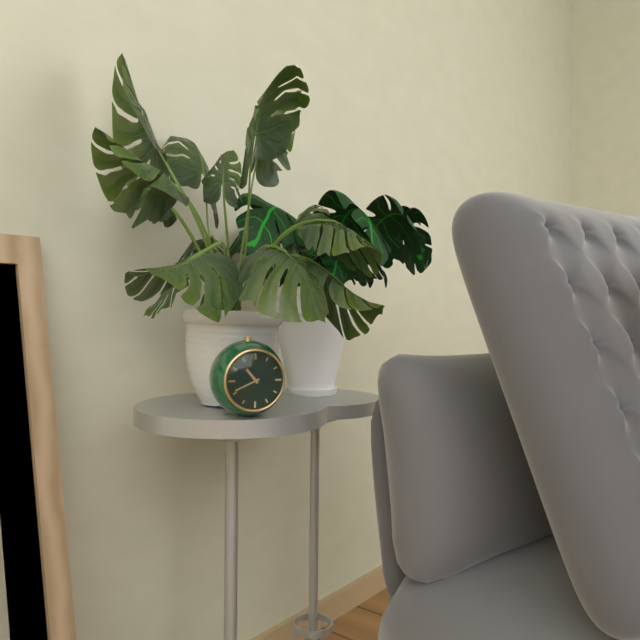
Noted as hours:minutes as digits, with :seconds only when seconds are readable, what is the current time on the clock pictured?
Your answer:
10:41
